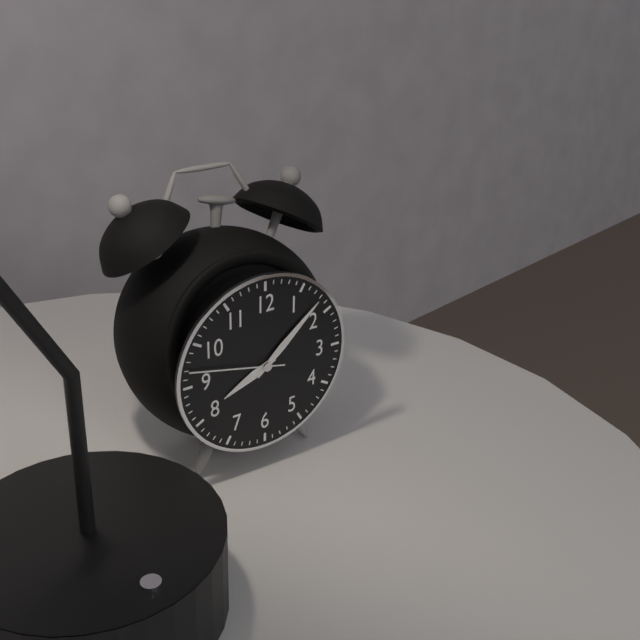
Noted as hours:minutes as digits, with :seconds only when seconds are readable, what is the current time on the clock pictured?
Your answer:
8:08:47
